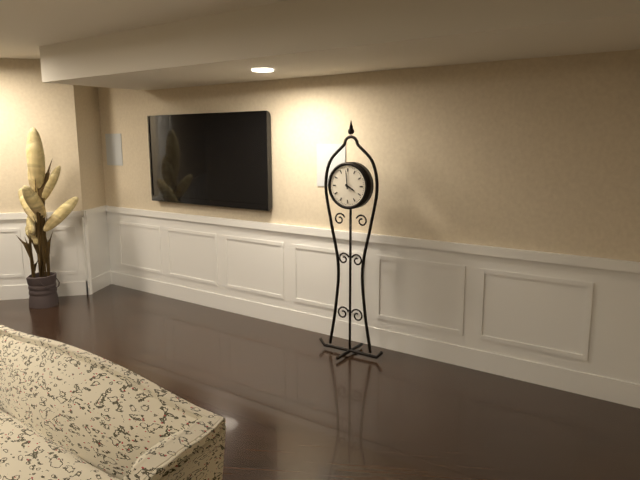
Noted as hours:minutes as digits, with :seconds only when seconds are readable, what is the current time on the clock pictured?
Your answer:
3:59
